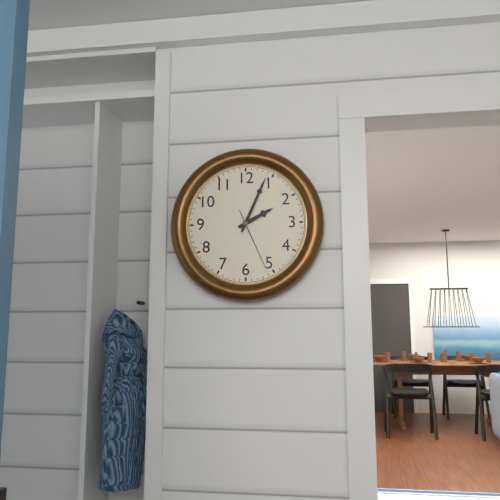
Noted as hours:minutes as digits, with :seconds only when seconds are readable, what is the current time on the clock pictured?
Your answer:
2:04:26
